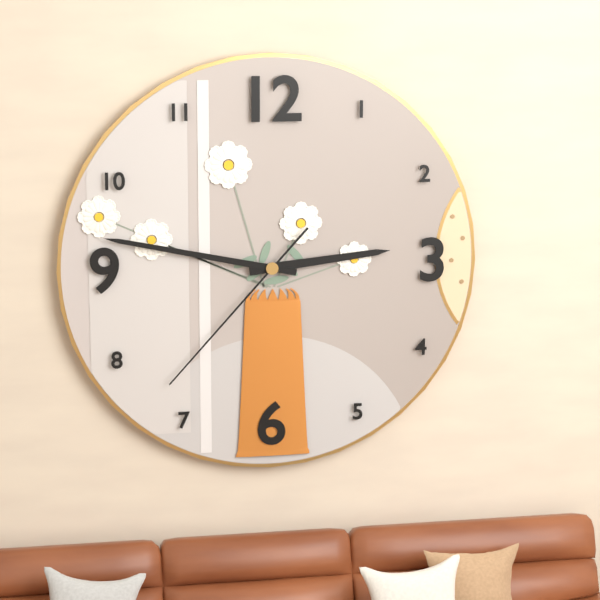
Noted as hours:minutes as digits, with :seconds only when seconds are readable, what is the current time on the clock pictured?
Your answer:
2:47:37
